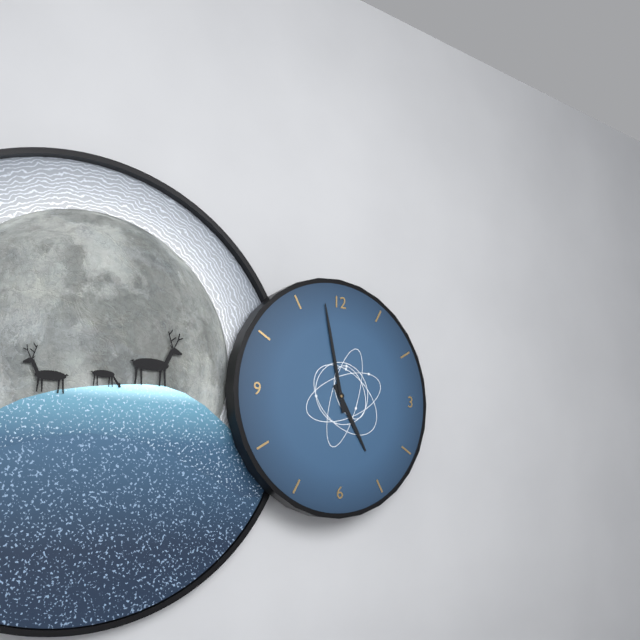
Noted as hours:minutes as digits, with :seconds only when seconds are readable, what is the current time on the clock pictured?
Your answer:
4:58
